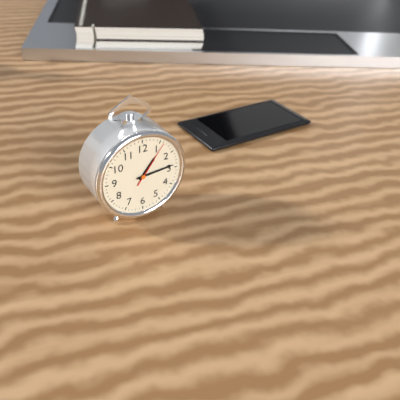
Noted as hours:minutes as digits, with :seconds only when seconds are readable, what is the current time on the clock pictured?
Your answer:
1:14
